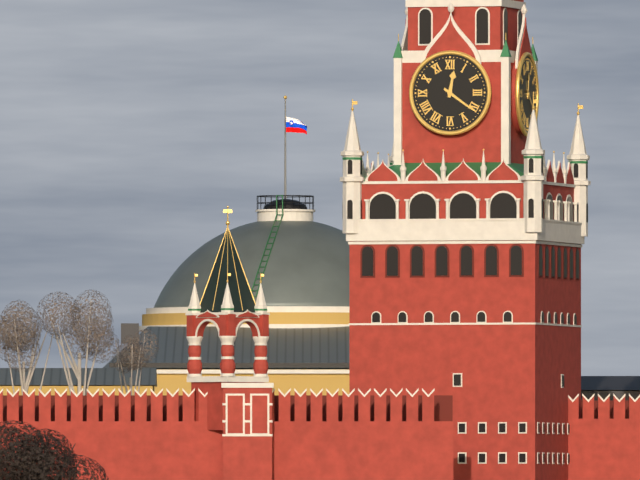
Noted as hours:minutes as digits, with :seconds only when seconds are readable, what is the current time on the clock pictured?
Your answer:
12:21
